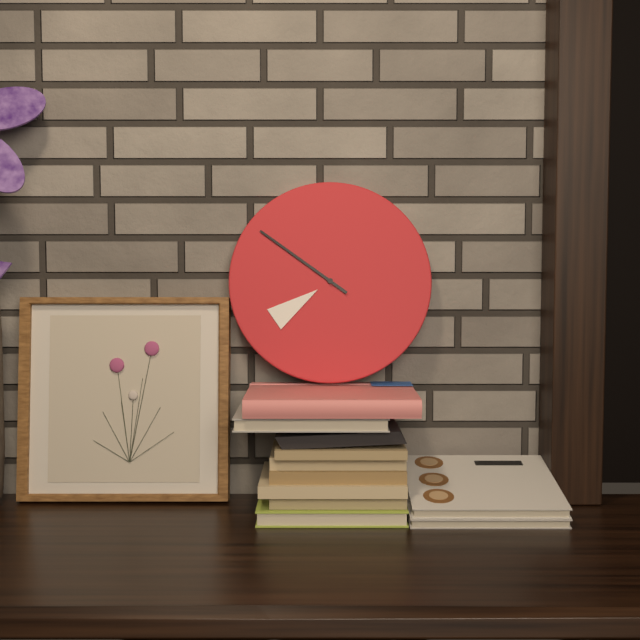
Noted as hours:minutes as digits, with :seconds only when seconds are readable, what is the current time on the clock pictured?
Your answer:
7:51
